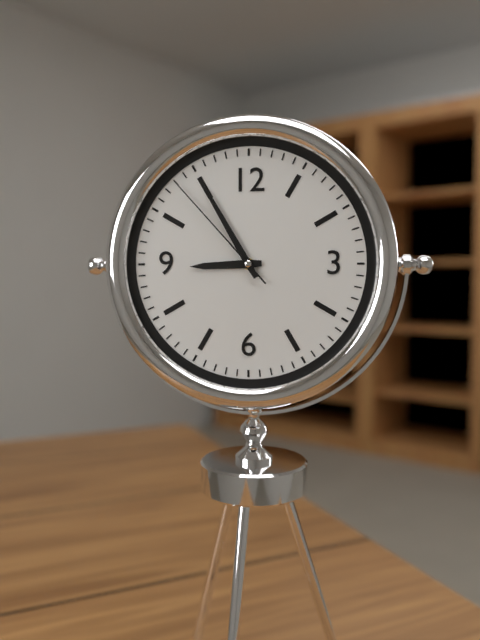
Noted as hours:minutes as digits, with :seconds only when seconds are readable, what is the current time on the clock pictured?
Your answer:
8:55:53
